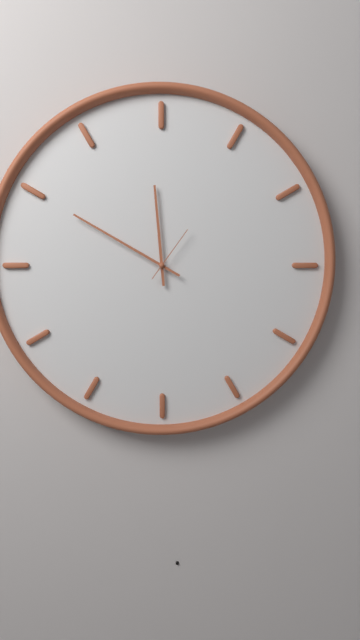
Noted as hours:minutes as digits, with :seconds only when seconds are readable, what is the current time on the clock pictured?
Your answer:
11:50:06
